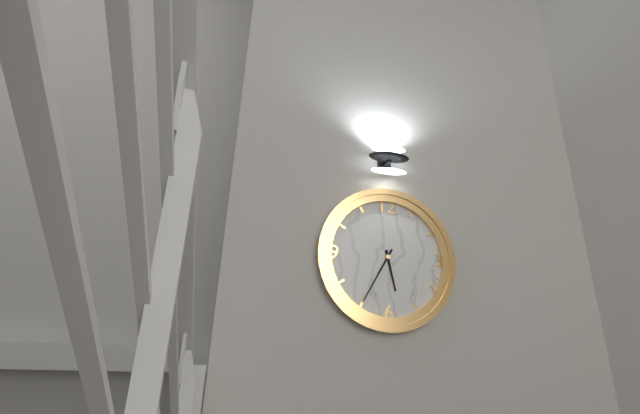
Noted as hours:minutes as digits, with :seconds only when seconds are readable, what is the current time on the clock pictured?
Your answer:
5:35
